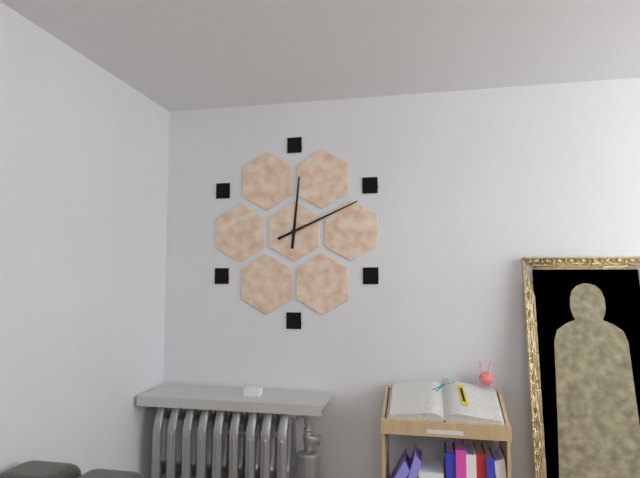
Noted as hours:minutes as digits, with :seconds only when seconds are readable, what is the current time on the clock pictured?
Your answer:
12:11
